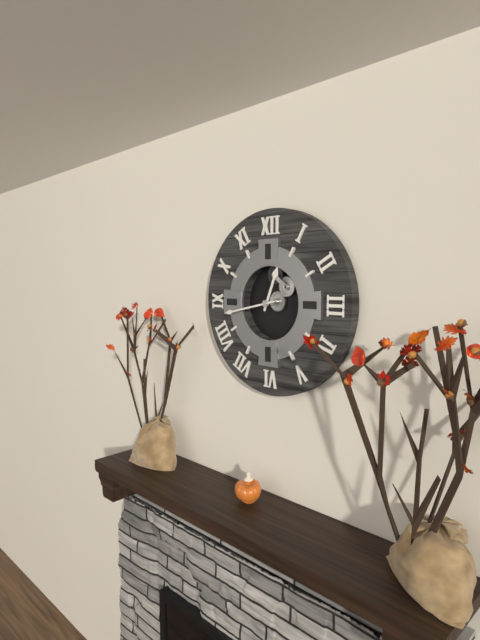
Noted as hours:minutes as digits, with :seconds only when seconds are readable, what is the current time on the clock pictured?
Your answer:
12:43
